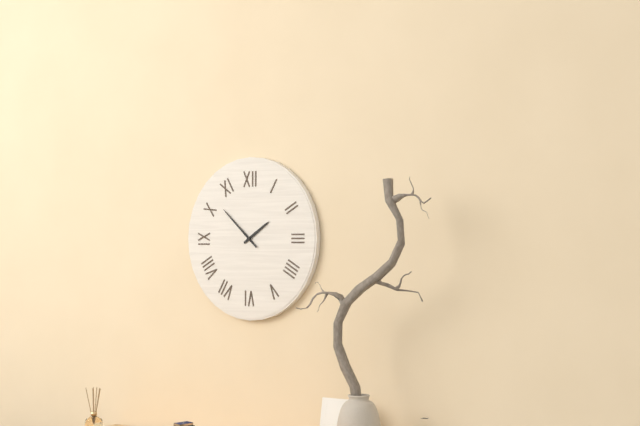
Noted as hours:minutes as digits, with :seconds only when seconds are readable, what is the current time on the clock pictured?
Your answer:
1:52
